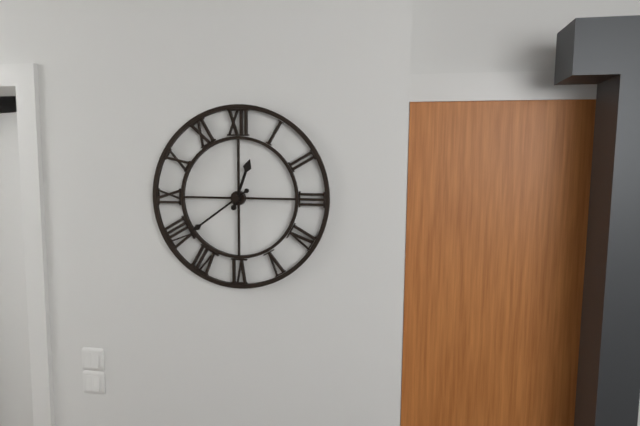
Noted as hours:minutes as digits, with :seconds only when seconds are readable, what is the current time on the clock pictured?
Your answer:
12:39
